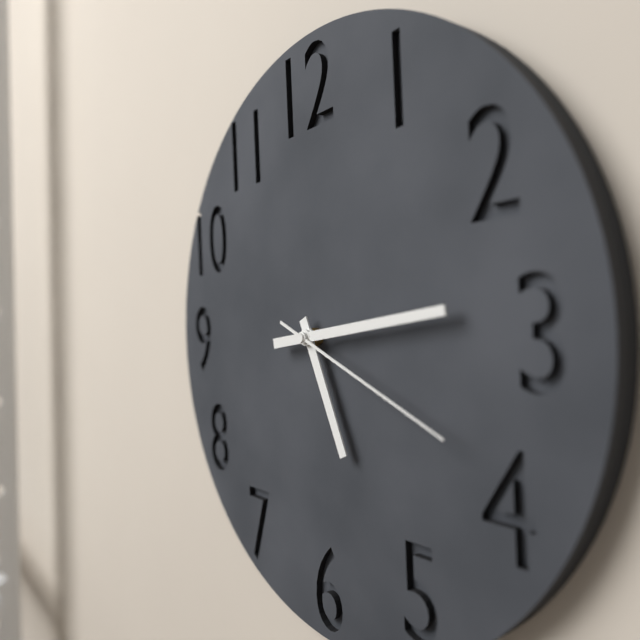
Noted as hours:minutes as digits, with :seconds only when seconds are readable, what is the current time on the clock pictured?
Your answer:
5:14:19
